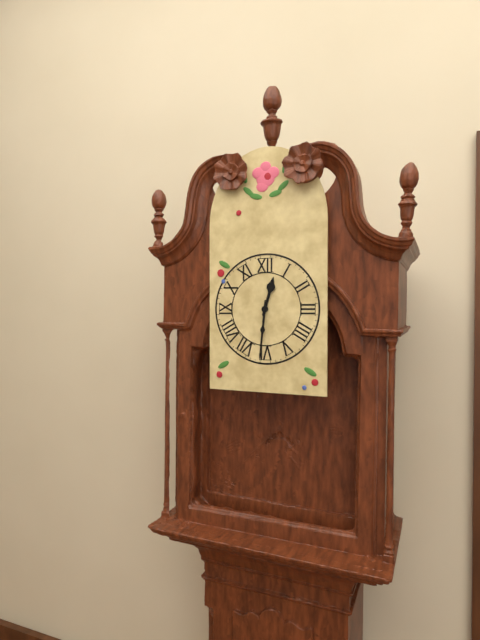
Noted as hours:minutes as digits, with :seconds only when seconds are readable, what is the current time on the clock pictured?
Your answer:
12:31
